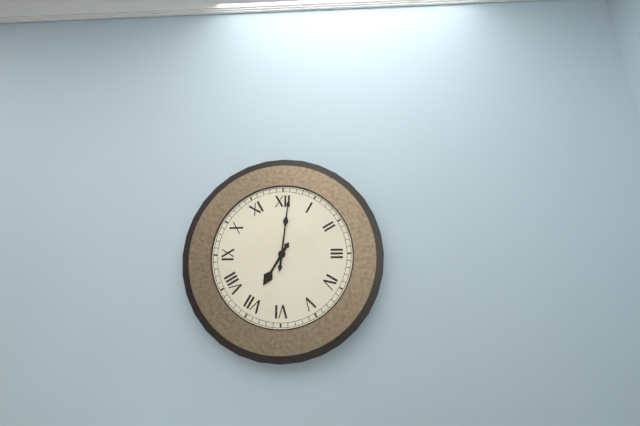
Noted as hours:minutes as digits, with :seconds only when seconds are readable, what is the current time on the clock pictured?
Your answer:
7:01
